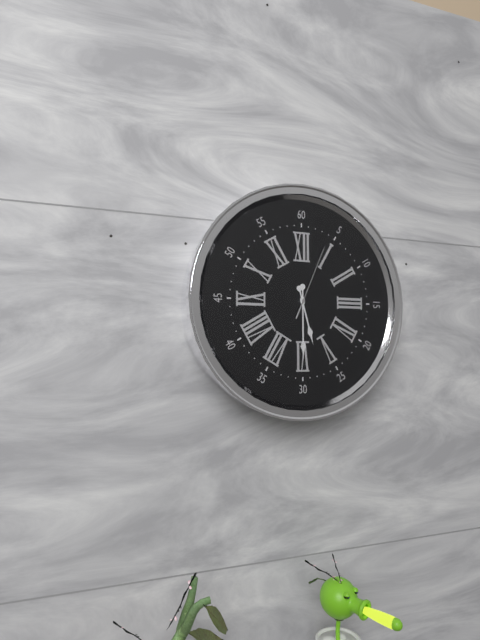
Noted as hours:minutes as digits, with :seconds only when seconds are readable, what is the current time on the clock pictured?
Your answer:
5:30:04
